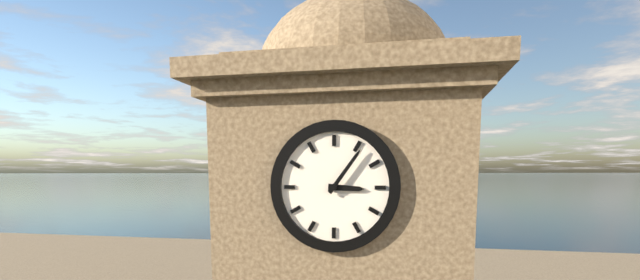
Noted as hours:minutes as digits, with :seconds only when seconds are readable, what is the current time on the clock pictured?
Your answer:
3:06
